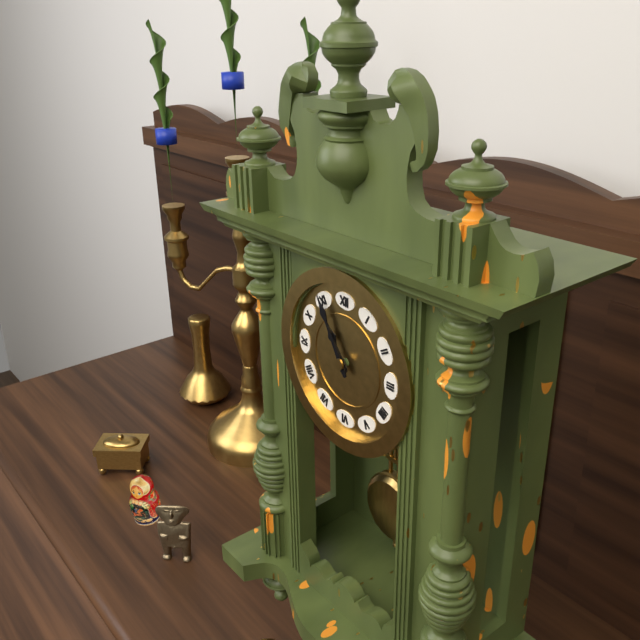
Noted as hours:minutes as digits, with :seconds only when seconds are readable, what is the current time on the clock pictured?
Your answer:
10:55
